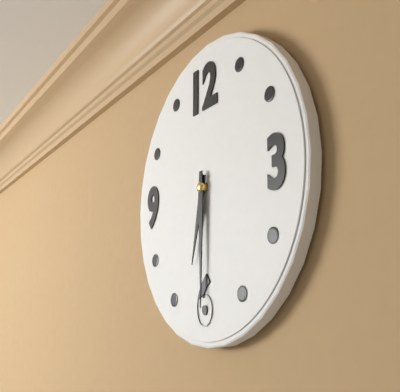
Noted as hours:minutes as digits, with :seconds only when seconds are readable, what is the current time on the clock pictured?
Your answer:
6:30
